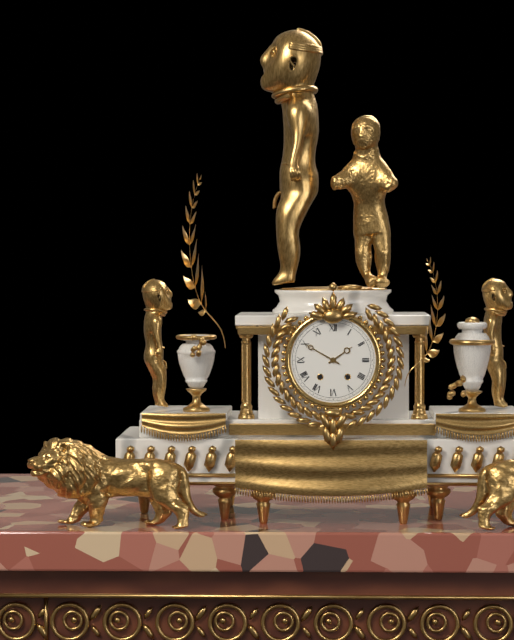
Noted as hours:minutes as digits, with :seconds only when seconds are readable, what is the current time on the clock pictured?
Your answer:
1:50
